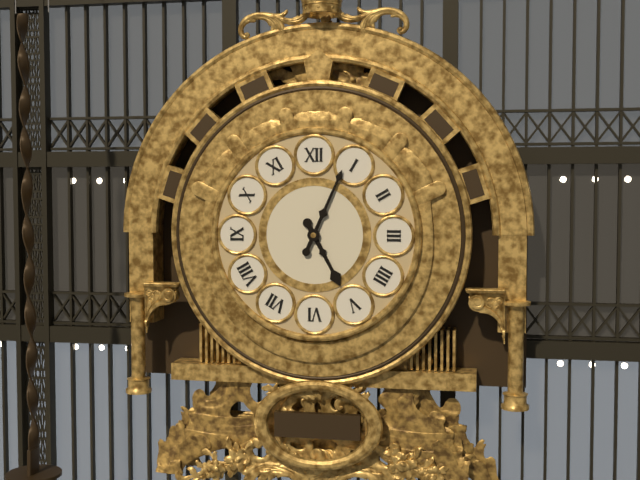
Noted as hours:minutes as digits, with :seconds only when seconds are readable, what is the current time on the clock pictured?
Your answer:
5:04
